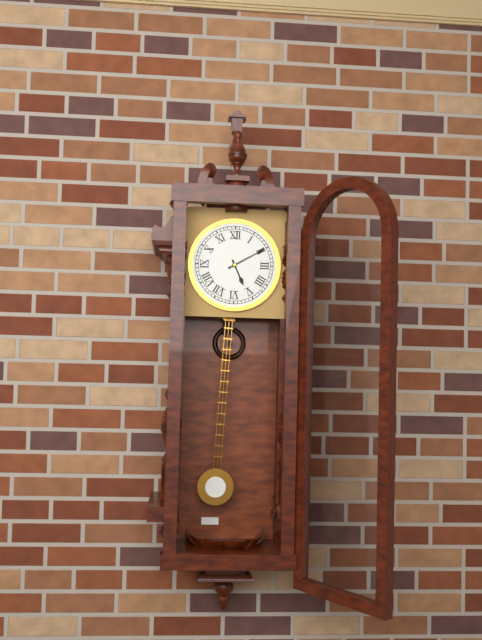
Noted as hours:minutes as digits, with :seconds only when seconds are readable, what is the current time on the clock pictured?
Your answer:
5:10
